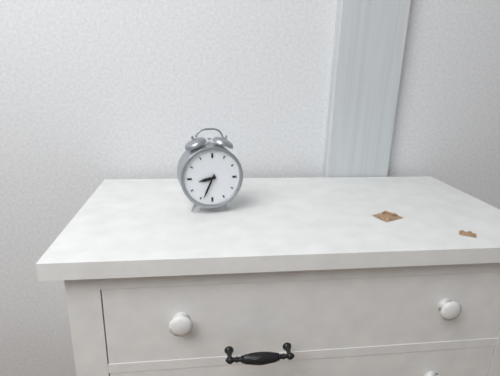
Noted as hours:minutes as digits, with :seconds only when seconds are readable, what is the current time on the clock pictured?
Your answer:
8:34
